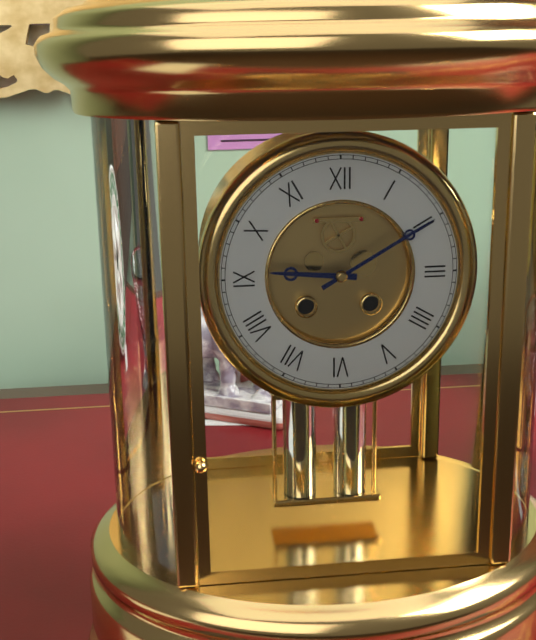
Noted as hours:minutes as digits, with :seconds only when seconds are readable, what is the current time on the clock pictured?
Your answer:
9:10
